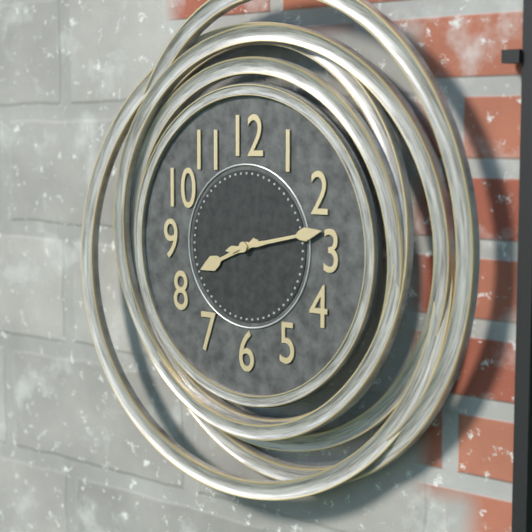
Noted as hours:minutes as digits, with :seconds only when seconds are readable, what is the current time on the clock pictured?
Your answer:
8:13
